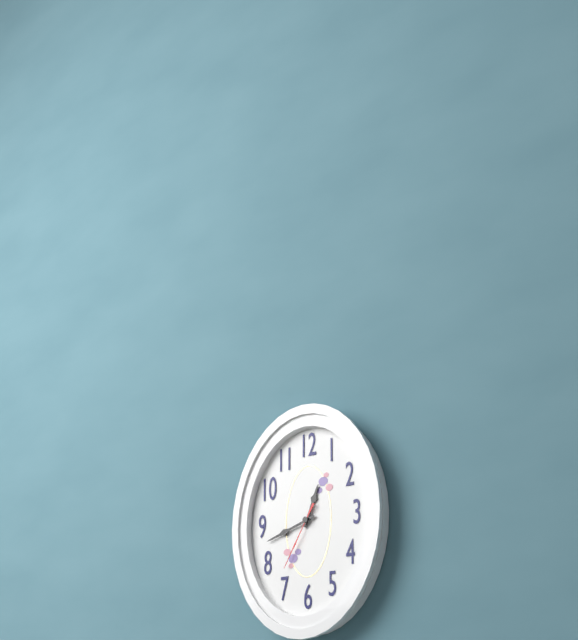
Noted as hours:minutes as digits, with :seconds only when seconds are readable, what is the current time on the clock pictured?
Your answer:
12:42:35
